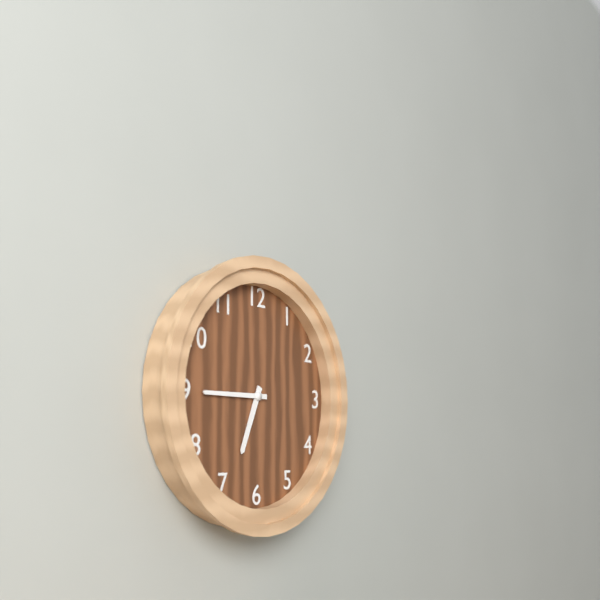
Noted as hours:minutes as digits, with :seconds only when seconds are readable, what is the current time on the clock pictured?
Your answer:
6:45
